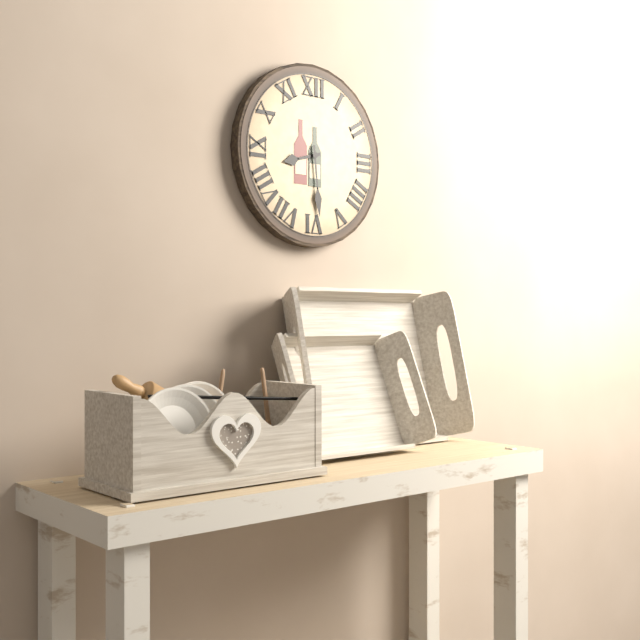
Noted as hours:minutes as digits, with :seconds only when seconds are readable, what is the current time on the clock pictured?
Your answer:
8:29
